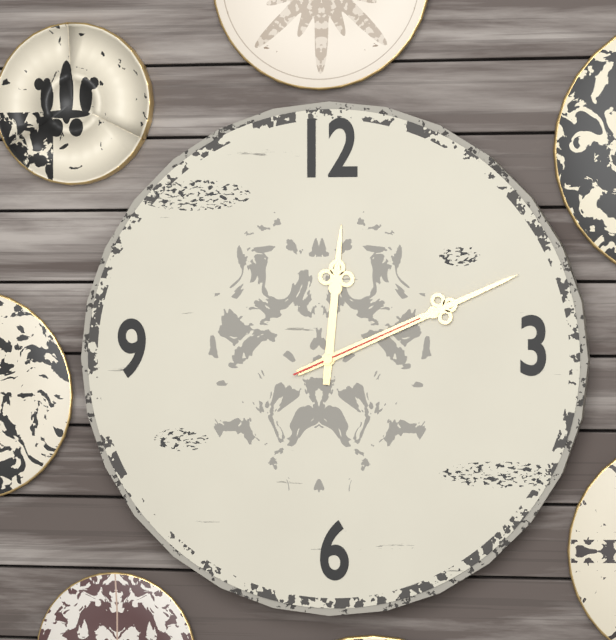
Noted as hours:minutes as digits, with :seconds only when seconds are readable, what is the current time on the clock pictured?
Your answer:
12:11:11
